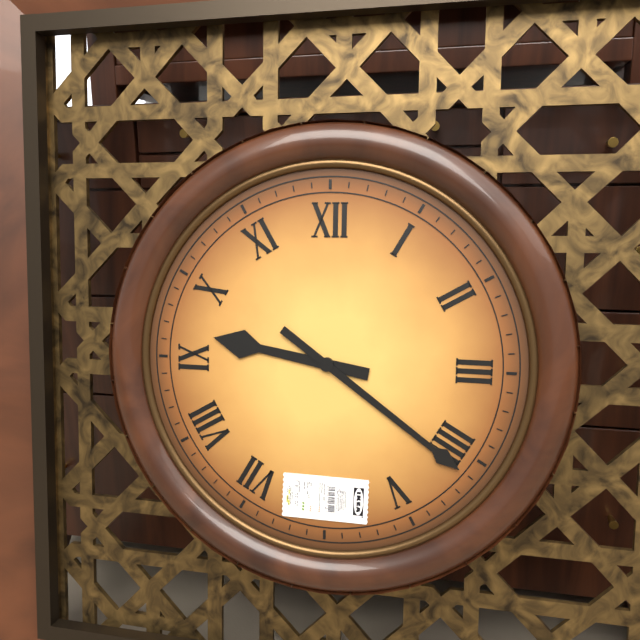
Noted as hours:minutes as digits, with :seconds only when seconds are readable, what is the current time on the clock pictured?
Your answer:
9:21
